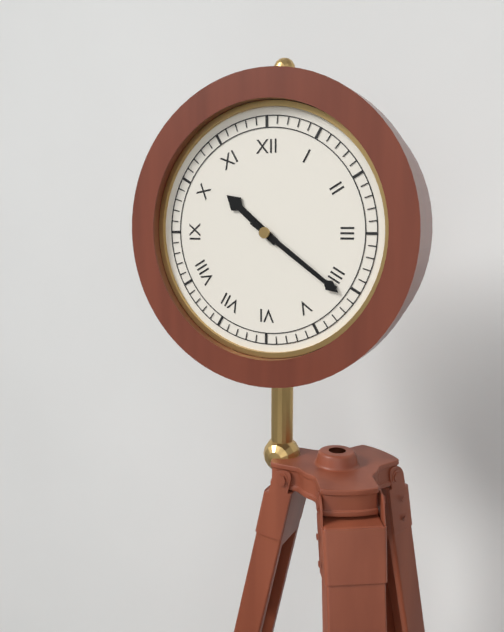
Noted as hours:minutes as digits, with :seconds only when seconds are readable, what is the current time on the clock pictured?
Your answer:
10:21
